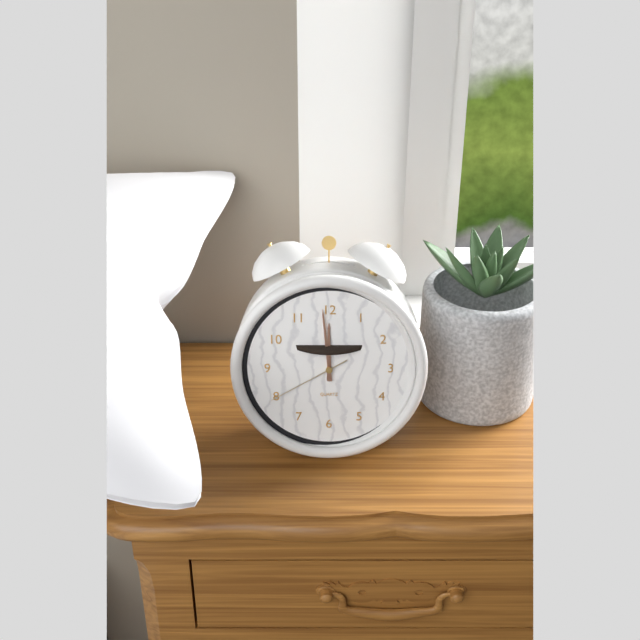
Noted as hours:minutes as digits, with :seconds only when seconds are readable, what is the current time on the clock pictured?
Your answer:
11:59:40
